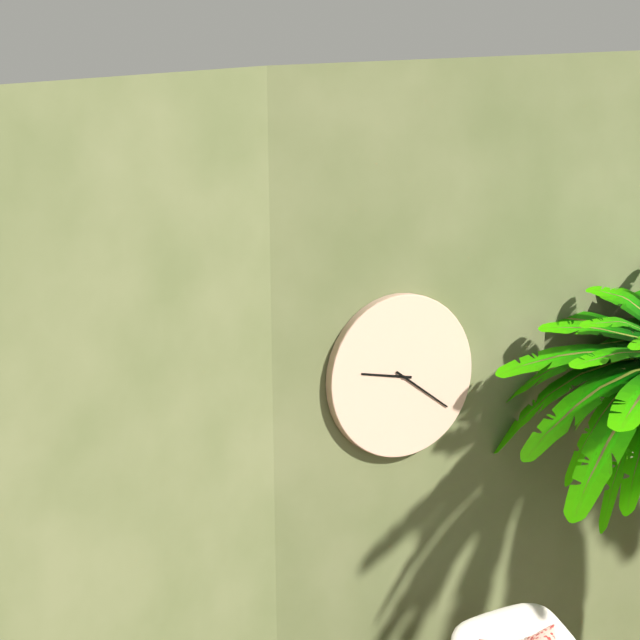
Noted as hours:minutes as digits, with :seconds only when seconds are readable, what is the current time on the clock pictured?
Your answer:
9:21
